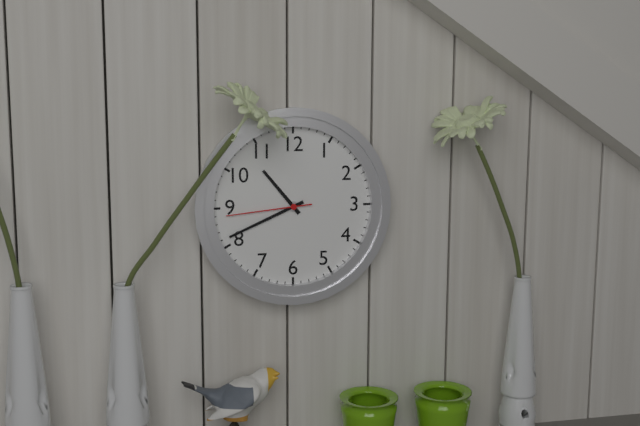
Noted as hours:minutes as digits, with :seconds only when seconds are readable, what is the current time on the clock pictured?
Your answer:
10:41:44
